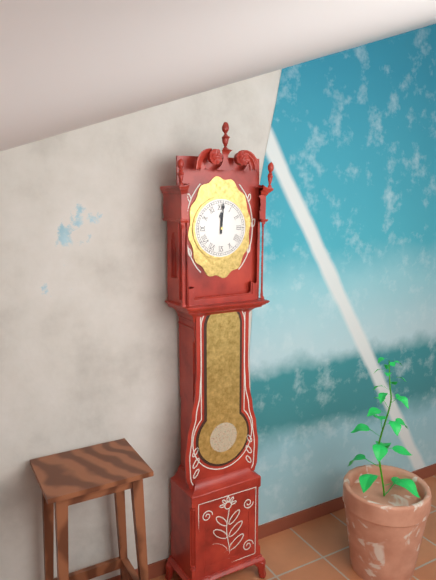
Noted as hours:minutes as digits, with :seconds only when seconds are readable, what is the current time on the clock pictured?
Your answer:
12:01
